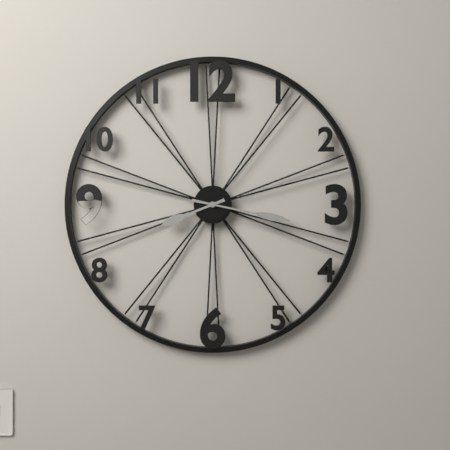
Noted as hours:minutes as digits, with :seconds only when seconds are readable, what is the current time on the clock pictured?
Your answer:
8:17
